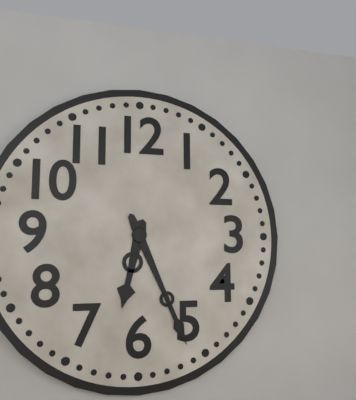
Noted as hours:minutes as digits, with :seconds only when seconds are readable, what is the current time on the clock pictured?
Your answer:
6:26
